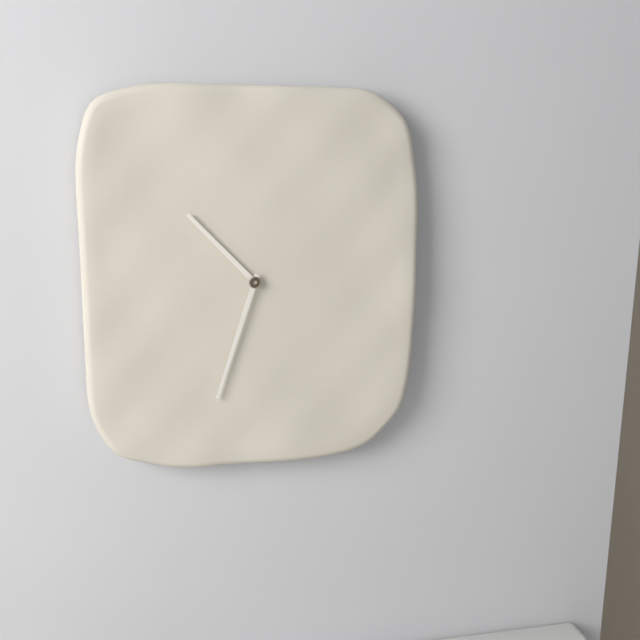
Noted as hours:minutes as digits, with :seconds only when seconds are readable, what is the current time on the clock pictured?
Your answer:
10:33
